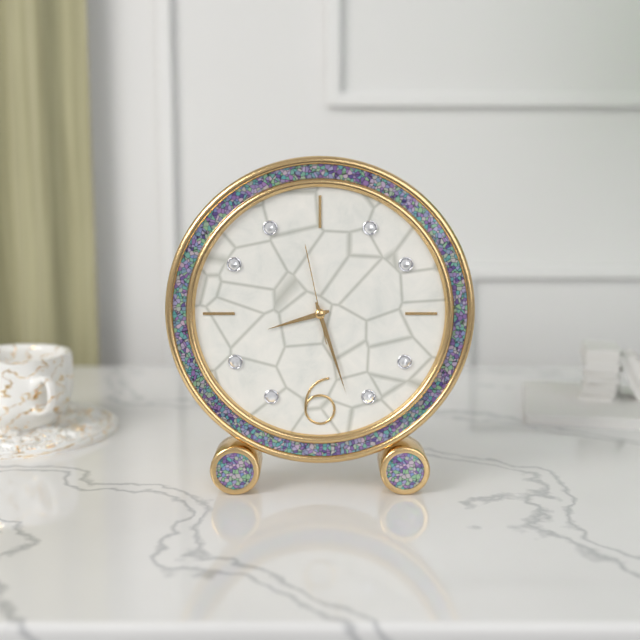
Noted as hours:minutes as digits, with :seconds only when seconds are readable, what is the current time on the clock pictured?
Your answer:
8:27:58
